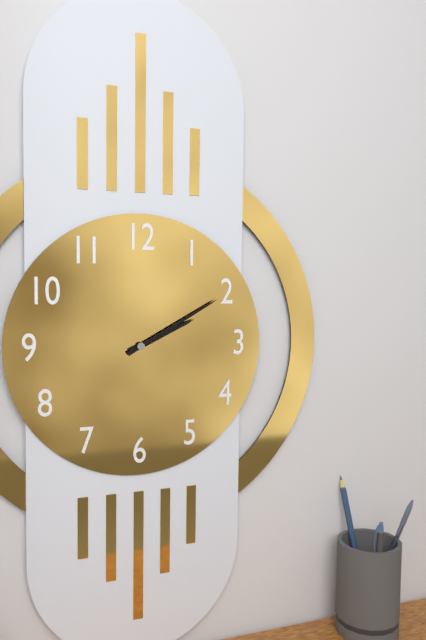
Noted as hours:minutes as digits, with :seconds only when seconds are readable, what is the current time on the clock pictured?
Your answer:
2:10
